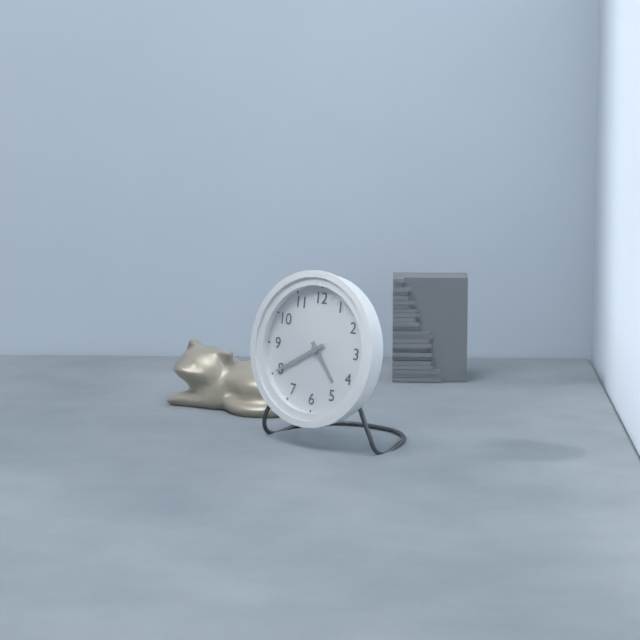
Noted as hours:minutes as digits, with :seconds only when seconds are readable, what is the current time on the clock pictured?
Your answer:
4:40
